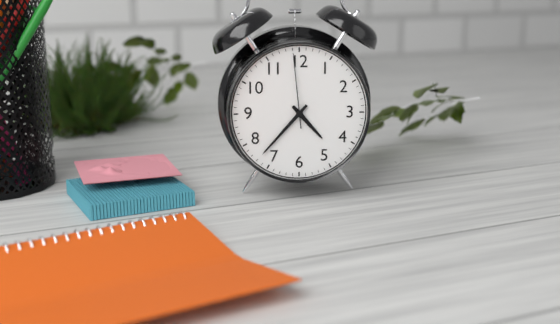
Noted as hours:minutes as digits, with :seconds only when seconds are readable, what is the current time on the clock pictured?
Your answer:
4:37:59
